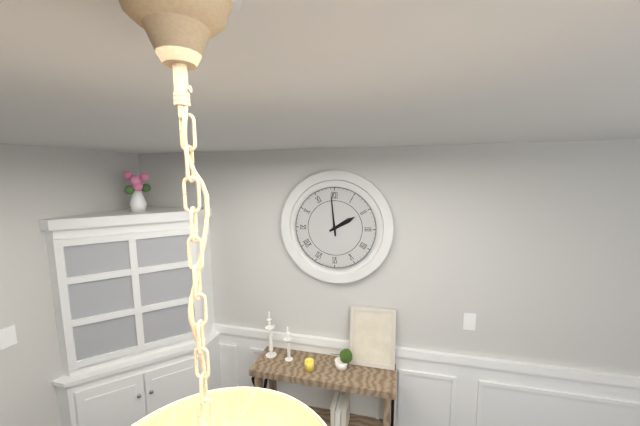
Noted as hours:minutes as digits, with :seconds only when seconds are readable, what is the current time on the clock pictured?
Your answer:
1:59
